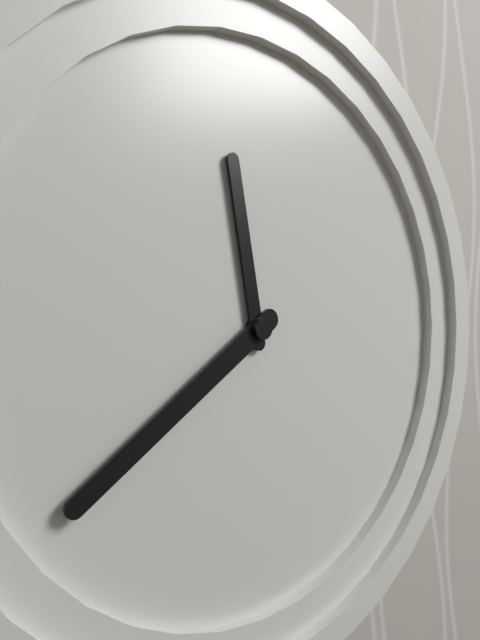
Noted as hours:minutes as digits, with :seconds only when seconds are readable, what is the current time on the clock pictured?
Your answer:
11:39
